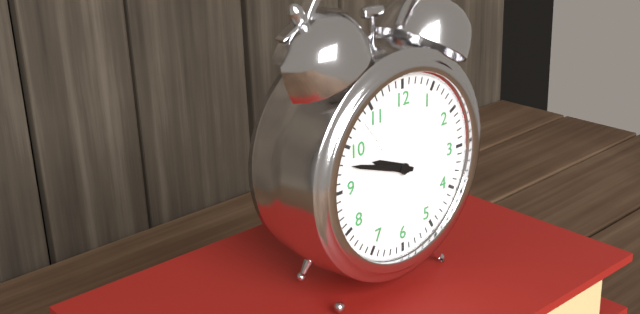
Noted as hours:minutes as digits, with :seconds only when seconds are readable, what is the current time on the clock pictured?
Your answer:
9:48
